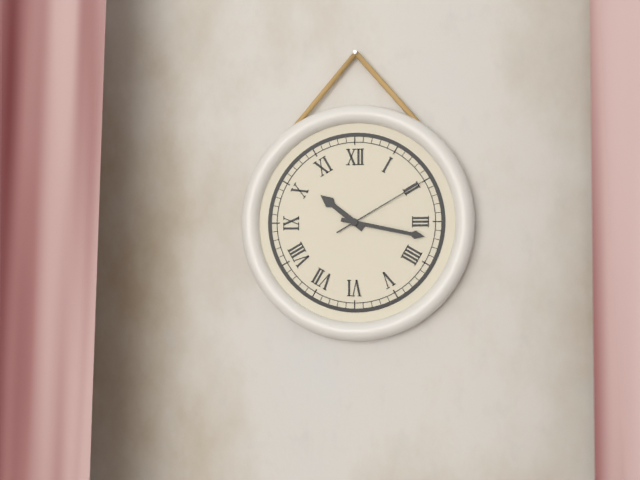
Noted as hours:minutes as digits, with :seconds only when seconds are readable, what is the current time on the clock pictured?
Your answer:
10:17:10
